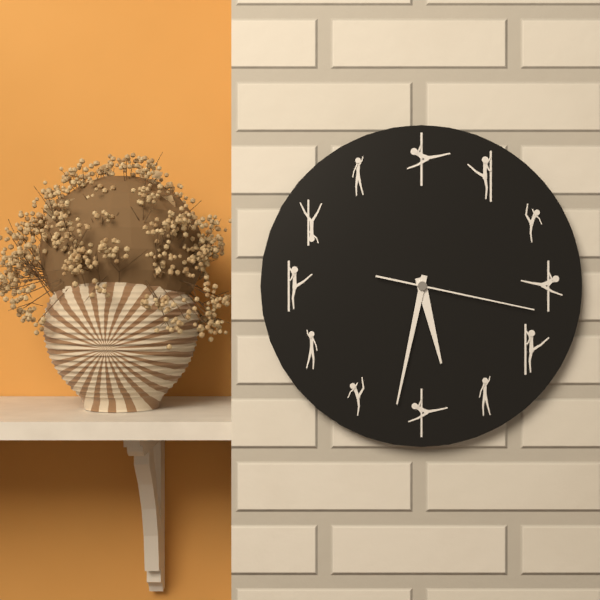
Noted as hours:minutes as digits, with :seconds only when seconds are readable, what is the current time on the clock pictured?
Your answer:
5:32:17
